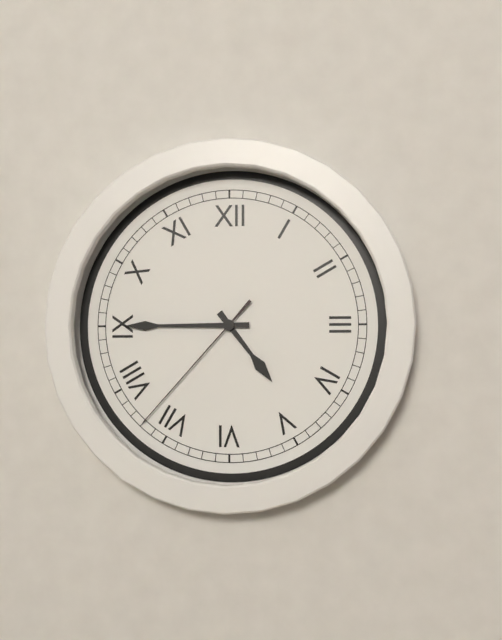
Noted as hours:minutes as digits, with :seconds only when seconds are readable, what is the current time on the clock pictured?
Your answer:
4:45:37
